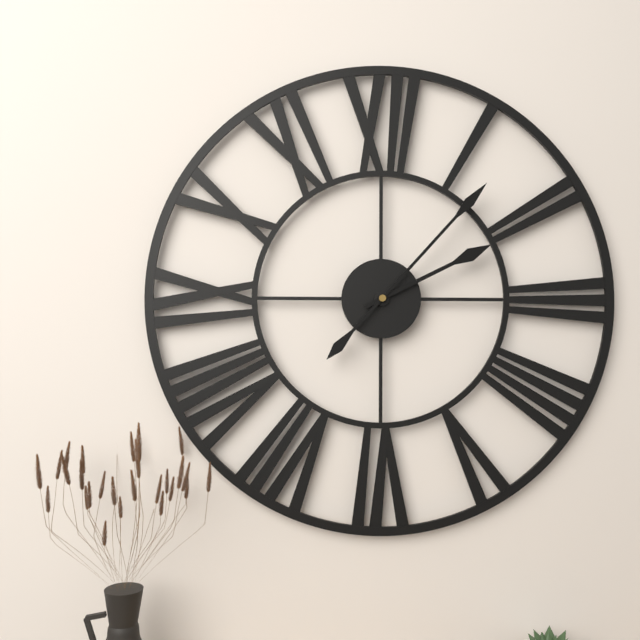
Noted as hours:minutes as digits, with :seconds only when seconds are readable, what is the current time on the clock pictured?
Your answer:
2:07
